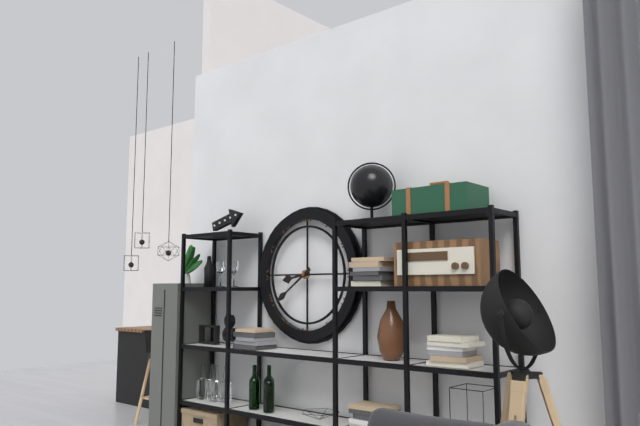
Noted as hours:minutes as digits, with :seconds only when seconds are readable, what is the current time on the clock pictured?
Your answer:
8:39
